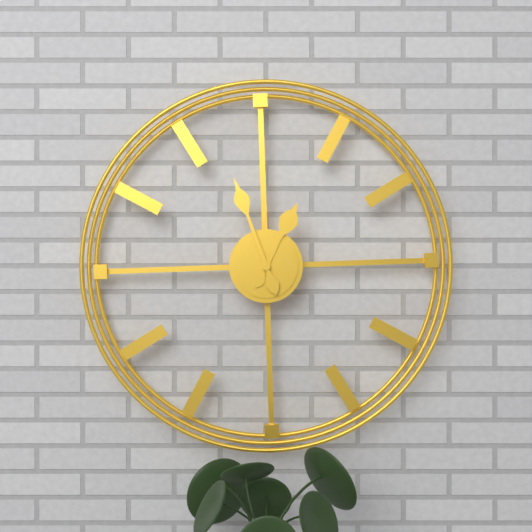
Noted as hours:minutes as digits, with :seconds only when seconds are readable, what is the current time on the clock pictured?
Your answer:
12:57
